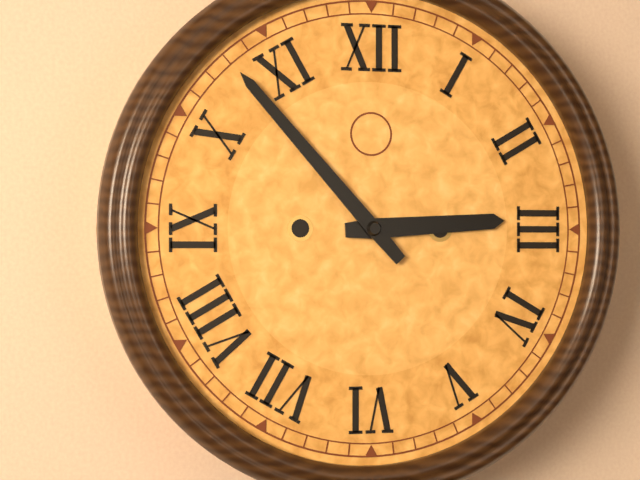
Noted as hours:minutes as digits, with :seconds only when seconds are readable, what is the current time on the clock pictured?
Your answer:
2:53
